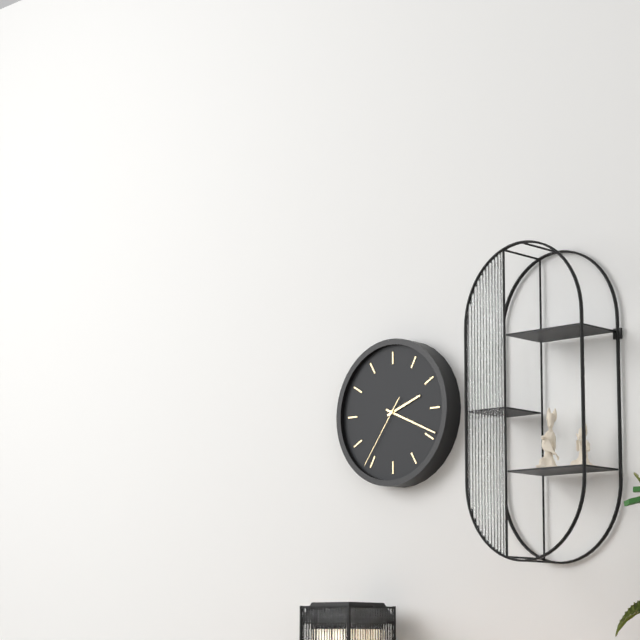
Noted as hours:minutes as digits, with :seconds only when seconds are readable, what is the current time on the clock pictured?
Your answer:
2:19:36
